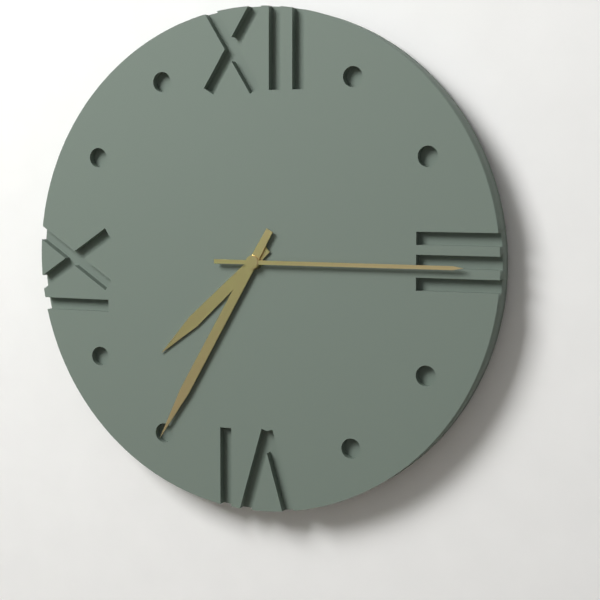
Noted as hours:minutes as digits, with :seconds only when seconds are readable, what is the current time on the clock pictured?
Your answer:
7:35:15
